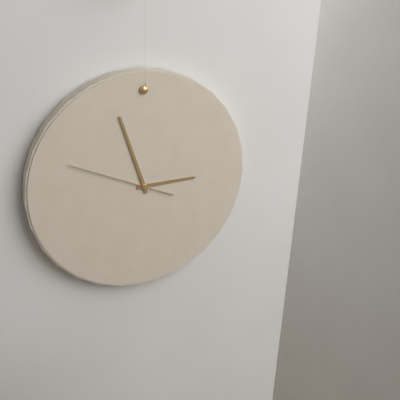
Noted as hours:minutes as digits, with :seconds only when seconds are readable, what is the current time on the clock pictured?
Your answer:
2:57:49
